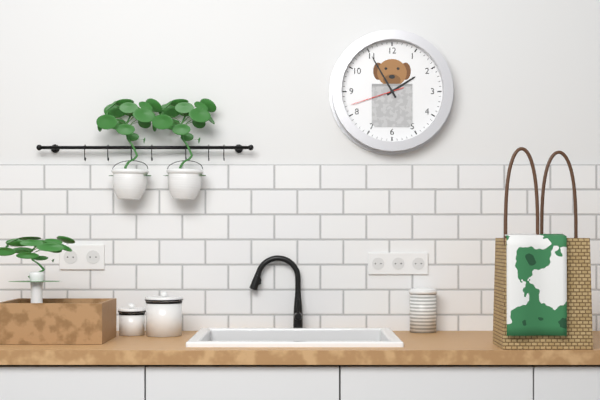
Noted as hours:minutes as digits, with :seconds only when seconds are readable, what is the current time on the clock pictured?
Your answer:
1:55:42
